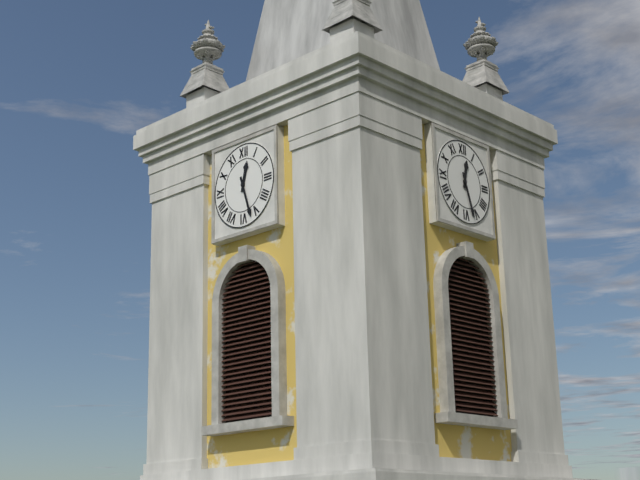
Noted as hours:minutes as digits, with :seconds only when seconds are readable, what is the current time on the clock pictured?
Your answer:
12:27
